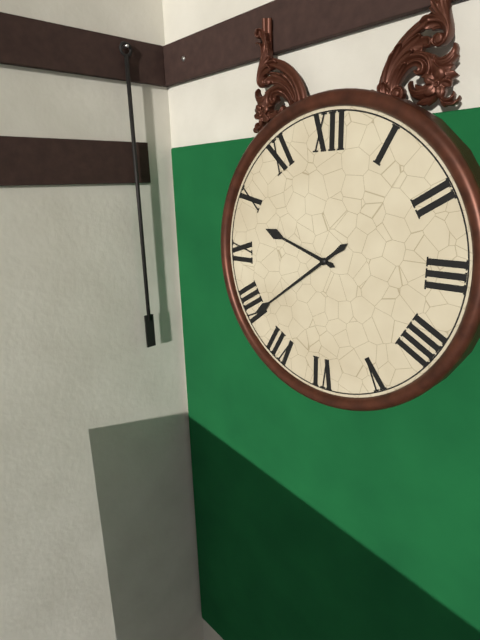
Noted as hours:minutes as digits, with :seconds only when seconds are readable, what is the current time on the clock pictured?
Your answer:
9:39
